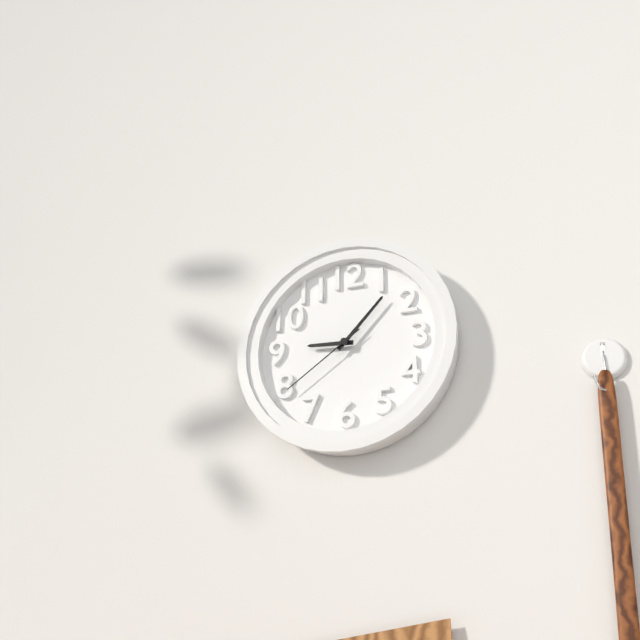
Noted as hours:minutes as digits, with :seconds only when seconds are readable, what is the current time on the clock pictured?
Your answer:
9:07:39
